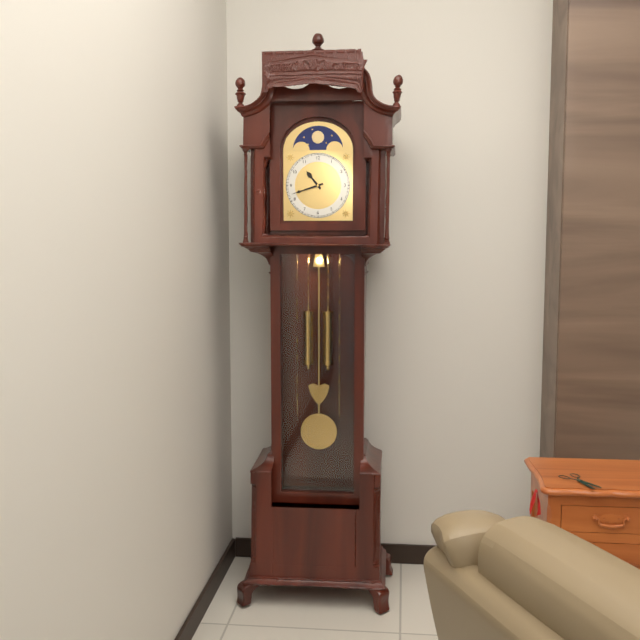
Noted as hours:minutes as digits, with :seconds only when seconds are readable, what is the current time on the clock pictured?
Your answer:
10:42
